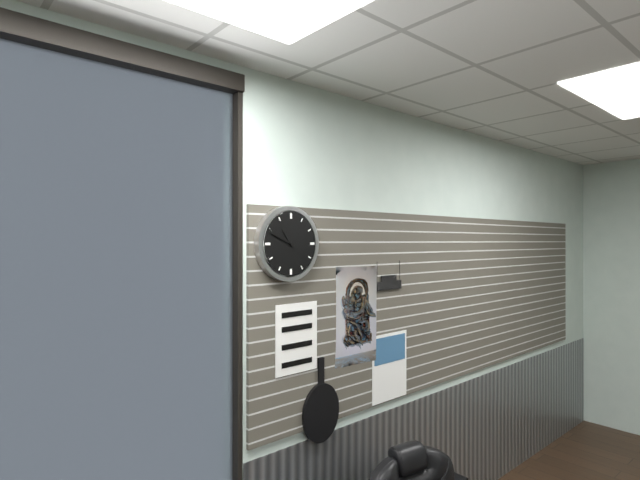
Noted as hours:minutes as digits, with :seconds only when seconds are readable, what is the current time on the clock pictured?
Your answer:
10:49
